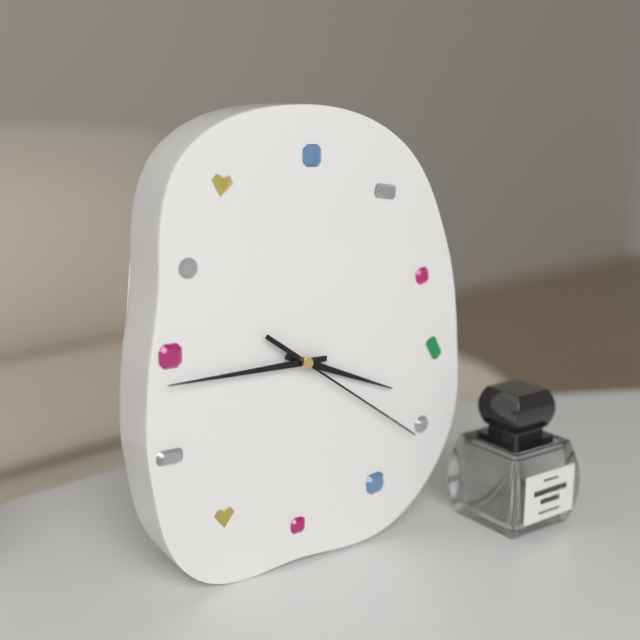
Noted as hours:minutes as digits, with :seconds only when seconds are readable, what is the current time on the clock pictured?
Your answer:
3:45:21
